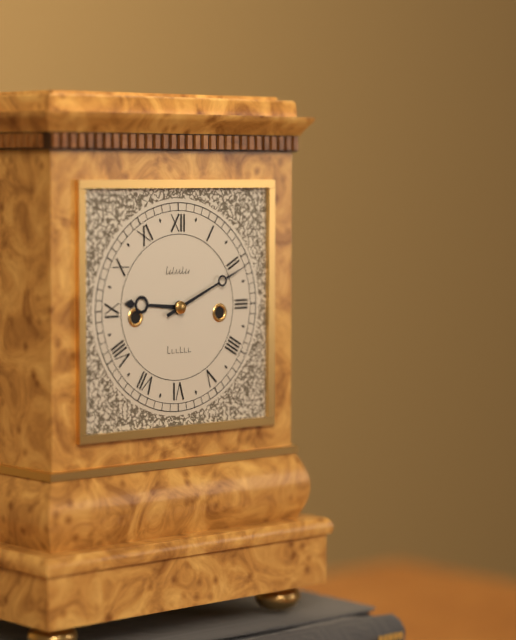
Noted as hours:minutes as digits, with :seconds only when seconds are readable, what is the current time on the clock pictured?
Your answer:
9:11
